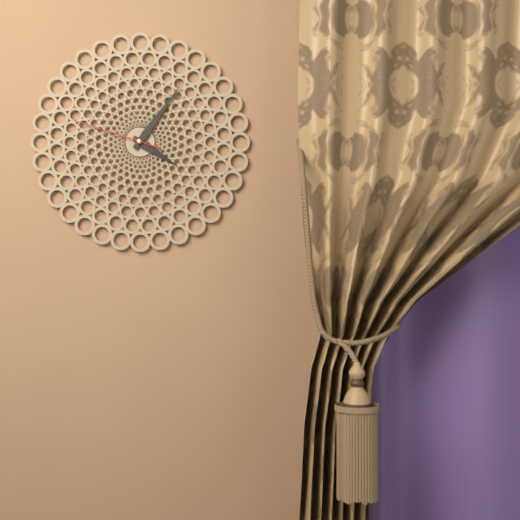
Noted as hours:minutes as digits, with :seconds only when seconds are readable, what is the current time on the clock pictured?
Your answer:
4:06:48
